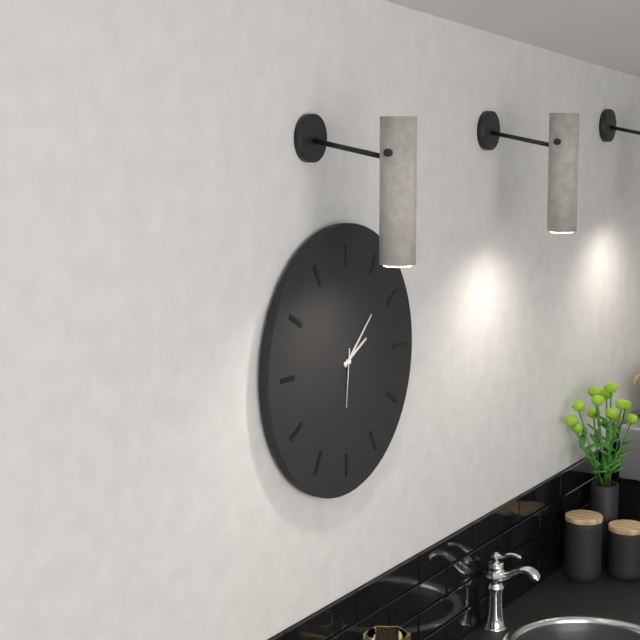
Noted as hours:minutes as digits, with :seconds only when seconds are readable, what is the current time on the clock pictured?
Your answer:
2:08:31
